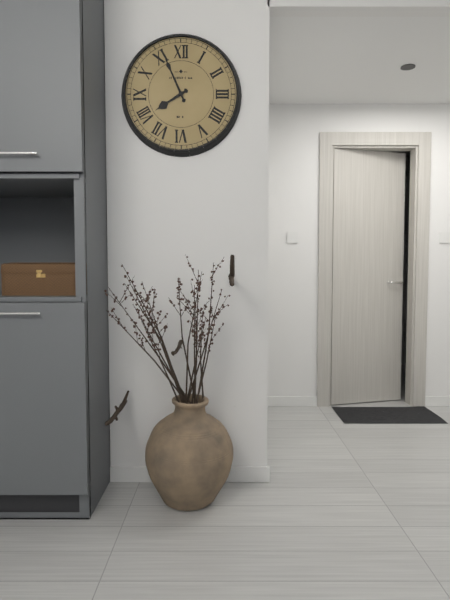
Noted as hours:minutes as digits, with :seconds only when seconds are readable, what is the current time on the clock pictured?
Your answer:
7:56
